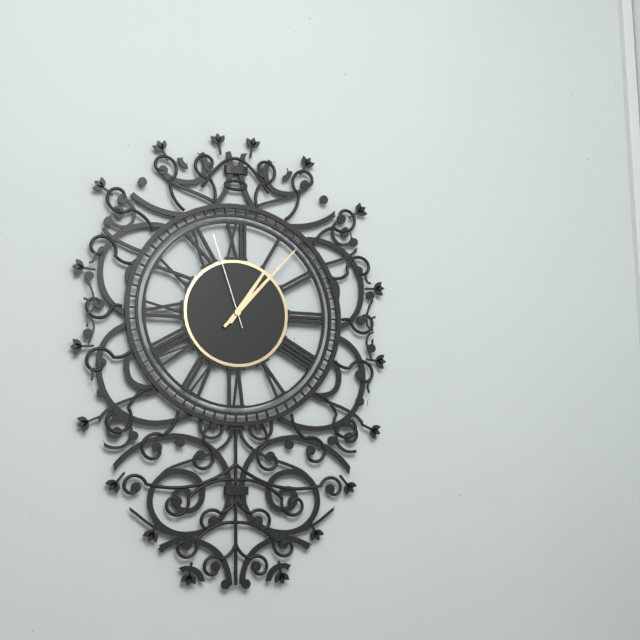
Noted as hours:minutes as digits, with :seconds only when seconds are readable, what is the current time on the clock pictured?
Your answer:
1:07:57
